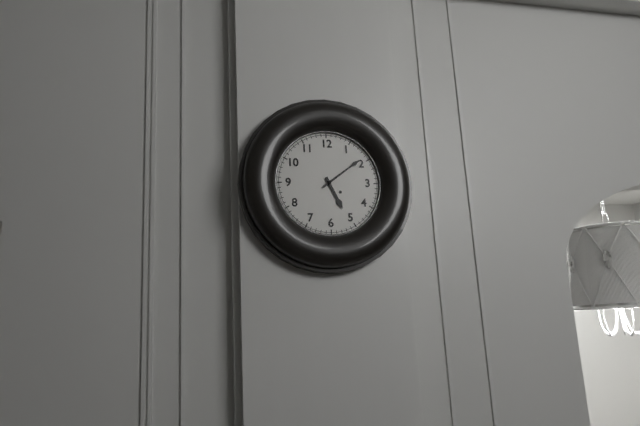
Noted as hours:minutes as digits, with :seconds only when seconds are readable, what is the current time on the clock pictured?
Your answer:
5:09
